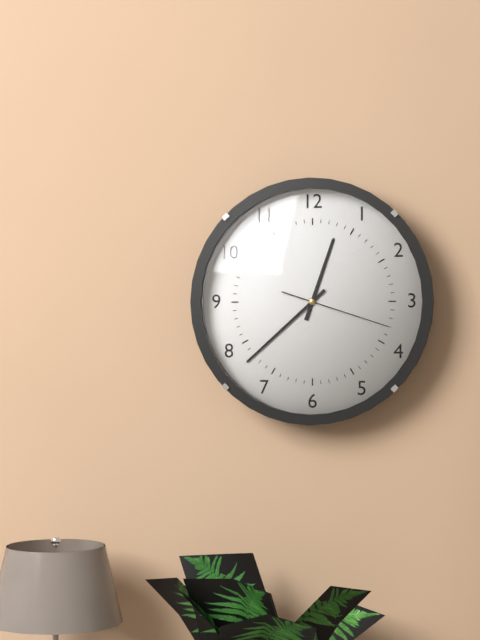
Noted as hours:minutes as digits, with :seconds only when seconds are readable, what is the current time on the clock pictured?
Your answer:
12:38:18
